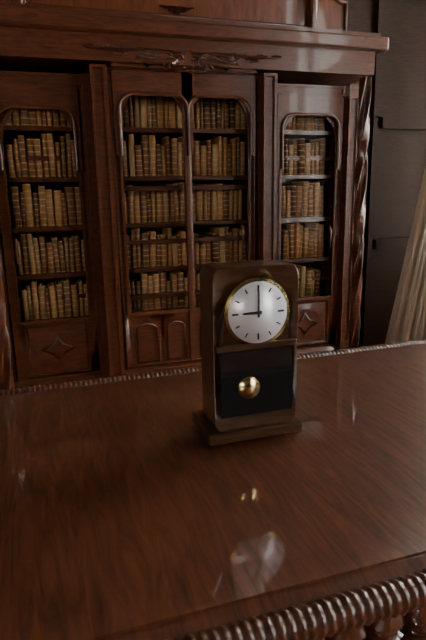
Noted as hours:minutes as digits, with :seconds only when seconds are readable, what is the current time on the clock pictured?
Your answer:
9:00
